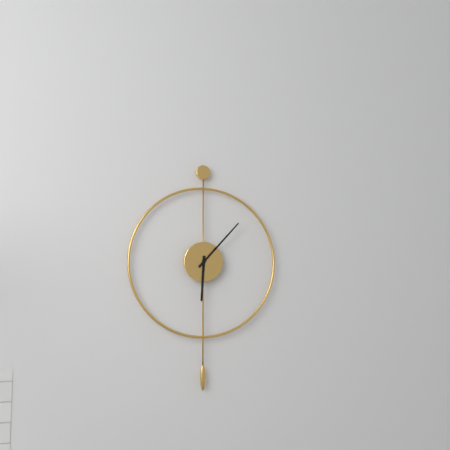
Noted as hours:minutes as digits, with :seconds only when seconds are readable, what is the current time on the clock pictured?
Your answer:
6:07
